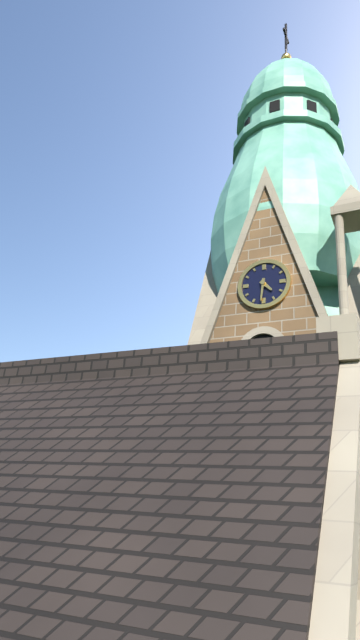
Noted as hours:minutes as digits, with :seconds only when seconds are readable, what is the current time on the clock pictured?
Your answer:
4:31
